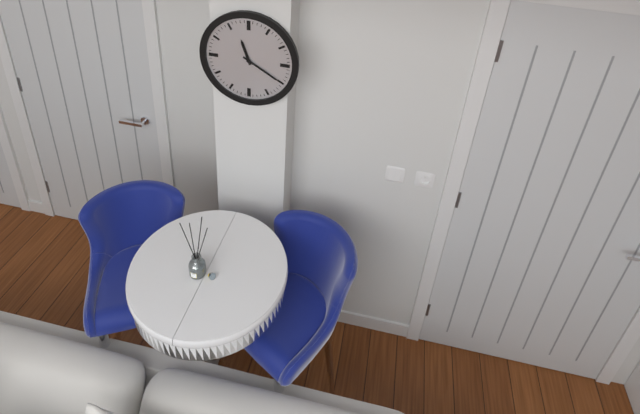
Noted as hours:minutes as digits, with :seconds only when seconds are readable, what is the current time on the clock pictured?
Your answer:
11:20
